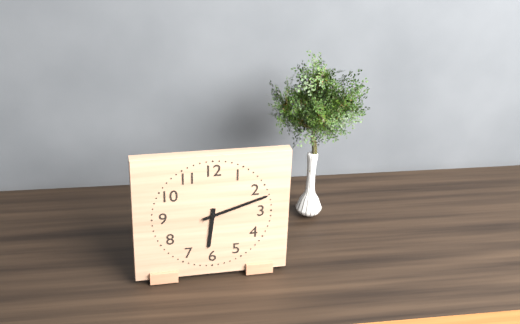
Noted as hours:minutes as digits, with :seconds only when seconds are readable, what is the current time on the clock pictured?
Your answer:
6:12
